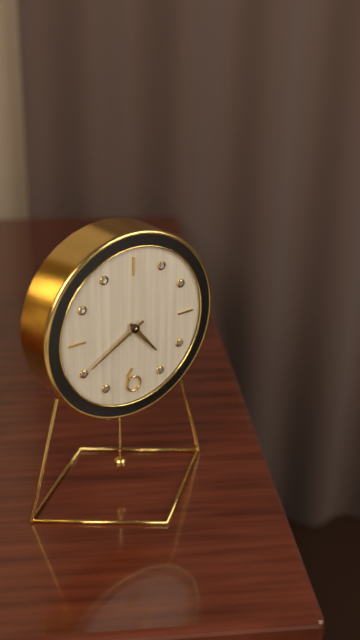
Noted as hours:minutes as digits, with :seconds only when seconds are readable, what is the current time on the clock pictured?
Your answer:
4:40
